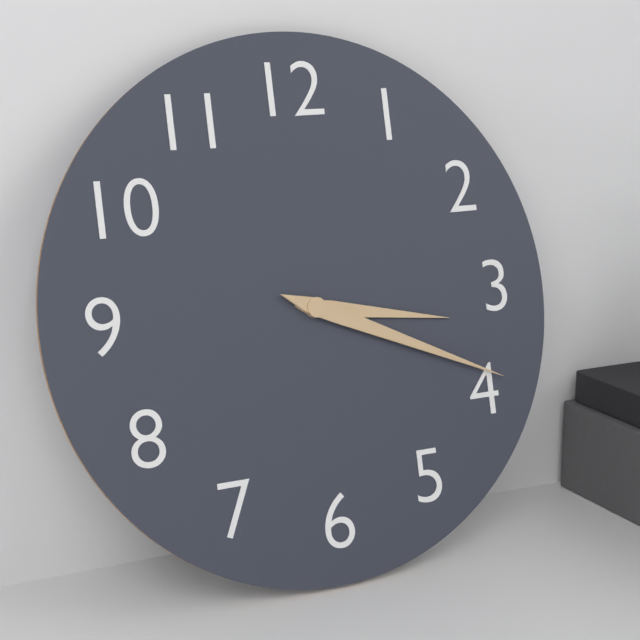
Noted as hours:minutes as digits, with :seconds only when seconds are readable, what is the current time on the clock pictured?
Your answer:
3:19
